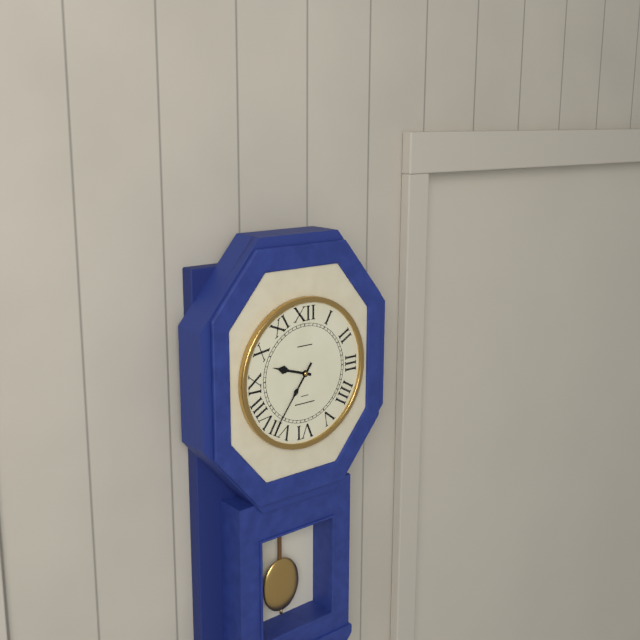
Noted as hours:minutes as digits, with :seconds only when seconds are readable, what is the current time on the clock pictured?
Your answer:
9:36
